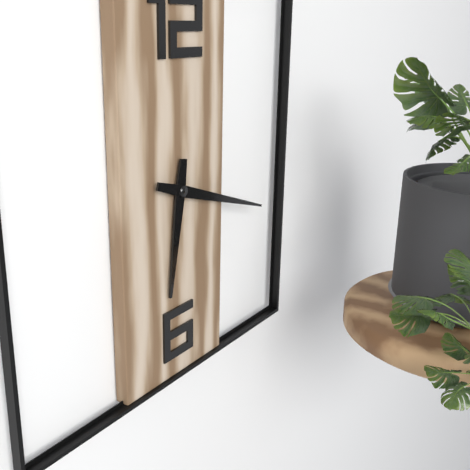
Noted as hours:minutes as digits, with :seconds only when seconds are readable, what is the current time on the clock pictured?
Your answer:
6:18
